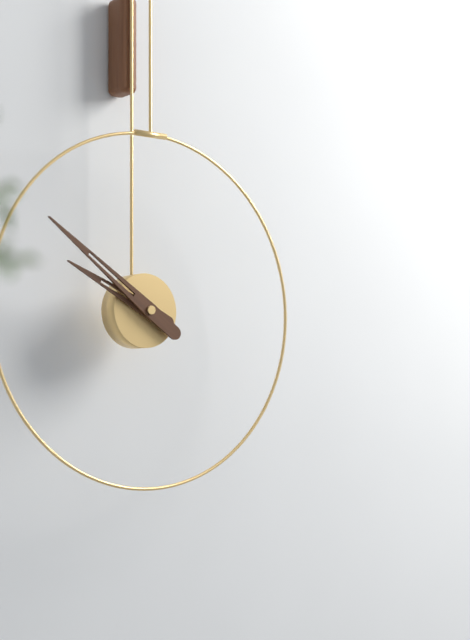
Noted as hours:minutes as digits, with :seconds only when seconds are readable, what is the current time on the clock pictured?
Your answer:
9:51
